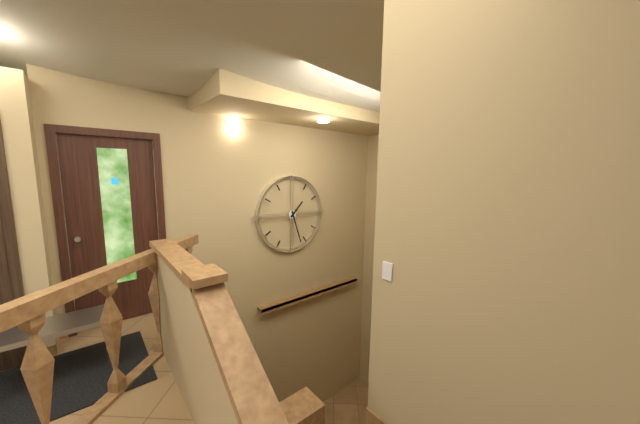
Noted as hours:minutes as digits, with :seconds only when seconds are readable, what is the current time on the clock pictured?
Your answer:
1:27
